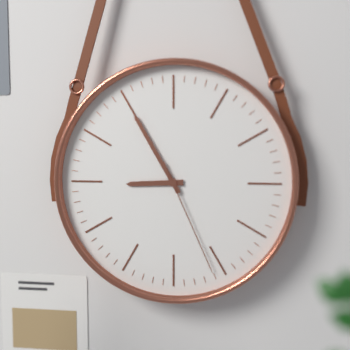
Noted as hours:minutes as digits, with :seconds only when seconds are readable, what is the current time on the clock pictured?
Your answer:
8:55:26
